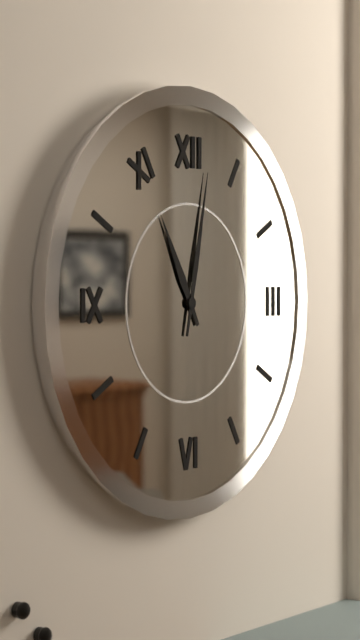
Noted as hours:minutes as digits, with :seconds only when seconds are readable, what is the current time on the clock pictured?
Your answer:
11:02
